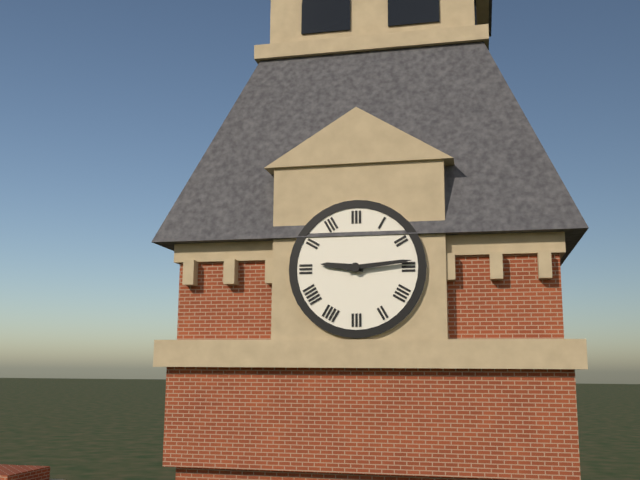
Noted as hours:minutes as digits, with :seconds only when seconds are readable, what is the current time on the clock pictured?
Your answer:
9:14
